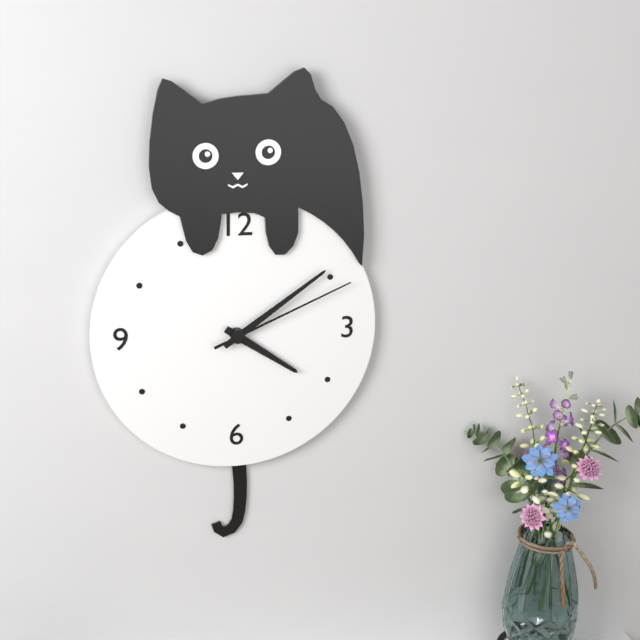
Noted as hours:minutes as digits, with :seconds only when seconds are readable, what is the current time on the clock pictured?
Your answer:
4:09:11
